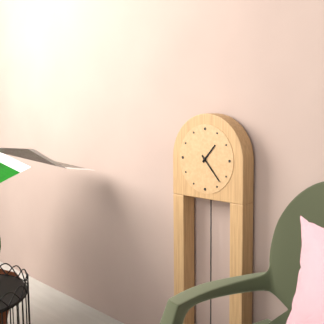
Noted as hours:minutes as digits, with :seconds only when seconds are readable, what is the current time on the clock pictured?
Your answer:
1:23
